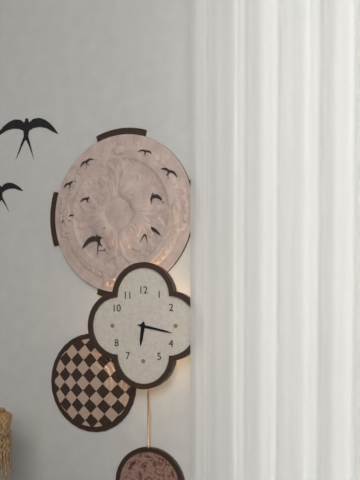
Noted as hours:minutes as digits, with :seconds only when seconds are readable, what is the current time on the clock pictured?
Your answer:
6:17
